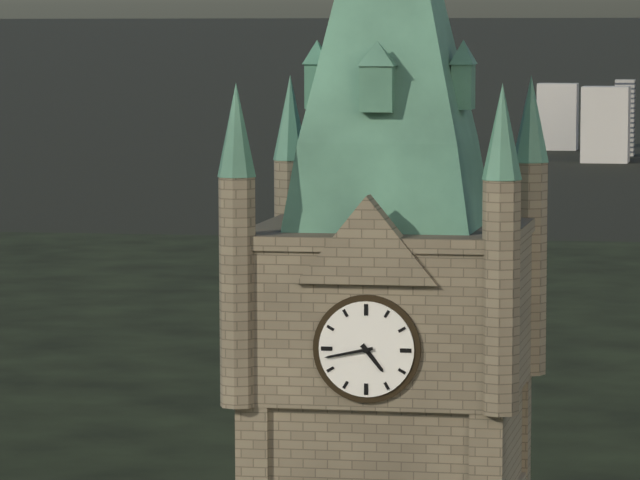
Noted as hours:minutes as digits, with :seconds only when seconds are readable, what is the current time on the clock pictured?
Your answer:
4:43
